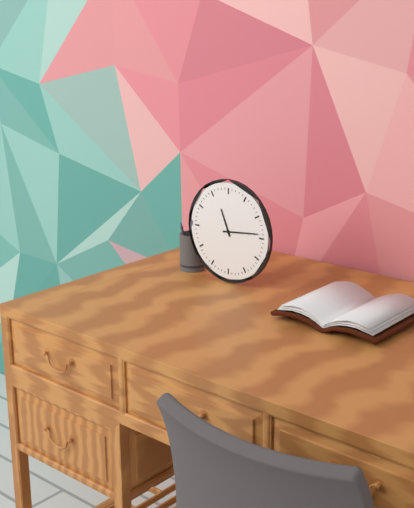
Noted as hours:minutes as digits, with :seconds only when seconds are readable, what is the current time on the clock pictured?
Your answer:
11:14
